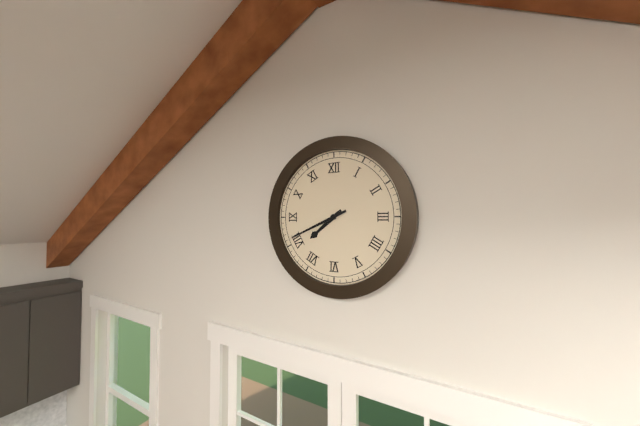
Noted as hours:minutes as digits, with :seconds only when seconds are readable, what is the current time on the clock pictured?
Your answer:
7:41
